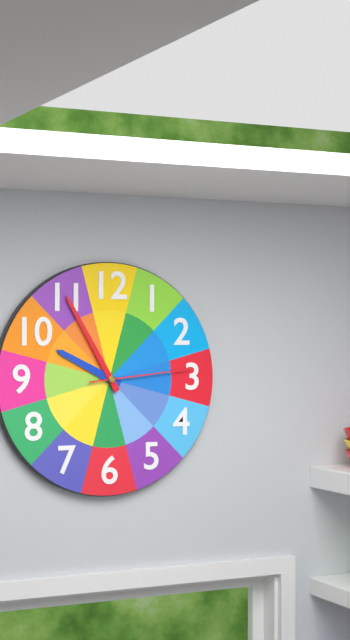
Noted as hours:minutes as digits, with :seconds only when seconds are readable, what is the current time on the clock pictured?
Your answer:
9:55:14
